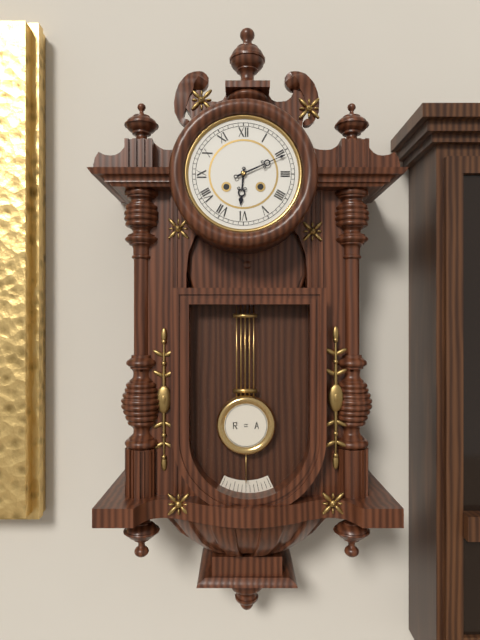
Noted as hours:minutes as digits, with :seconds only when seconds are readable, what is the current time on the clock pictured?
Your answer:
6:11
